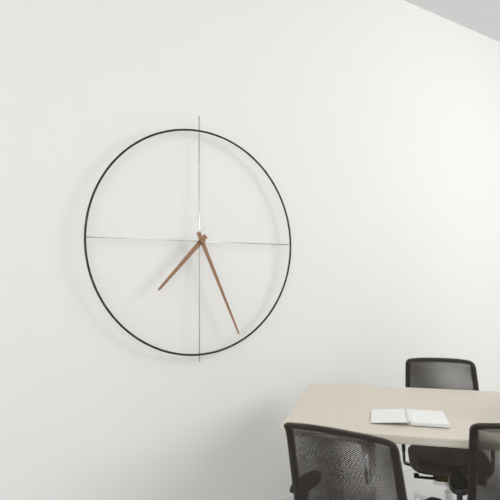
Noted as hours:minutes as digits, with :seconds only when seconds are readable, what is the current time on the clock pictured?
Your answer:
7:26
